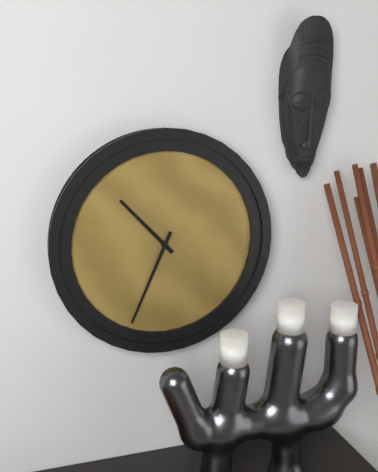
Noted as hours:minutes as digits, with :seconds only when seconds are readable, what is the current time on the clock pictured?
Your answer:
10:34
